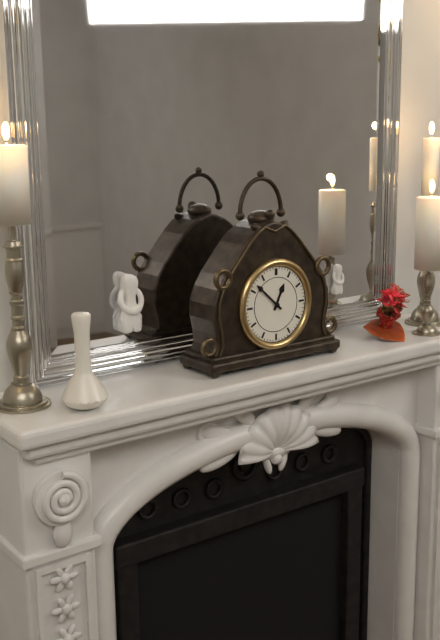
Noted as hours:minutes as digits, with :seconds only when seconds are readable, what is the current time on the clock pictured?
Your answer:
12:52
